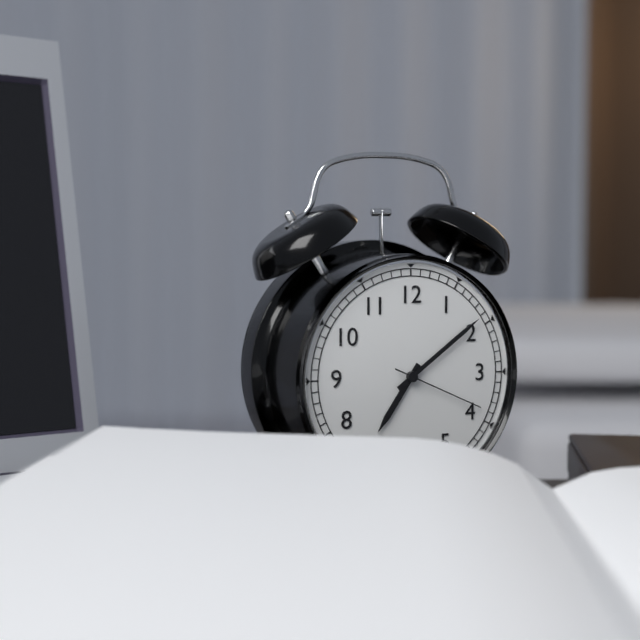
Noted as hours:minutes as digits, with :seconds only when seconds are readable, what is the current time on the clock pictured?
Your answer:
7:09:19
